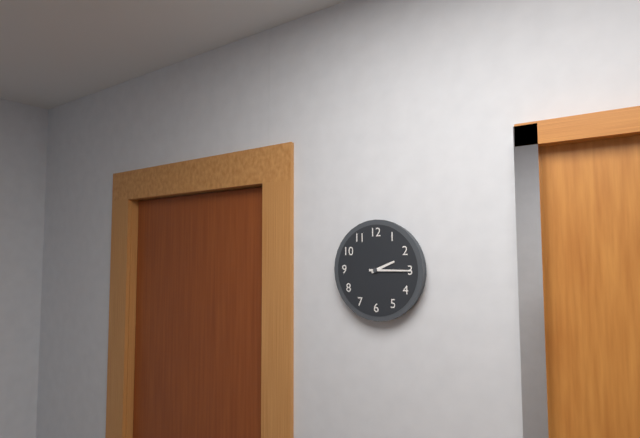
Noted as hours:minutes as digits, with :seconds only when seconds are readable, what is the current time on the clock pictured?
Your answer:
2:15
